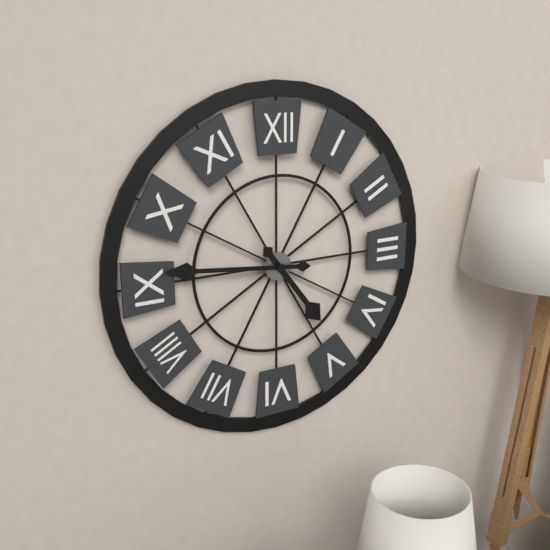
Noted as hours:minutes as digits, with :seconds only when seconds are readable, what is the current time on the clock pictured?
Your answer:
4:46
